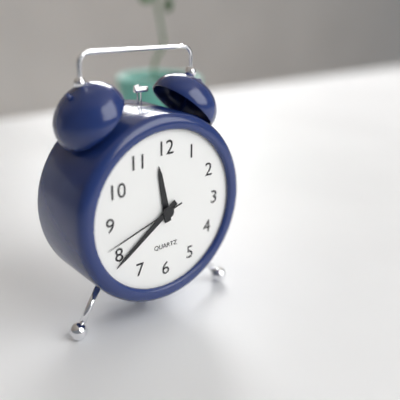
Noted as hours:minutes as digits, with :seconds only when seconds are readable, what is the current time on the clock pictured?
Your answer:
11:39:42
